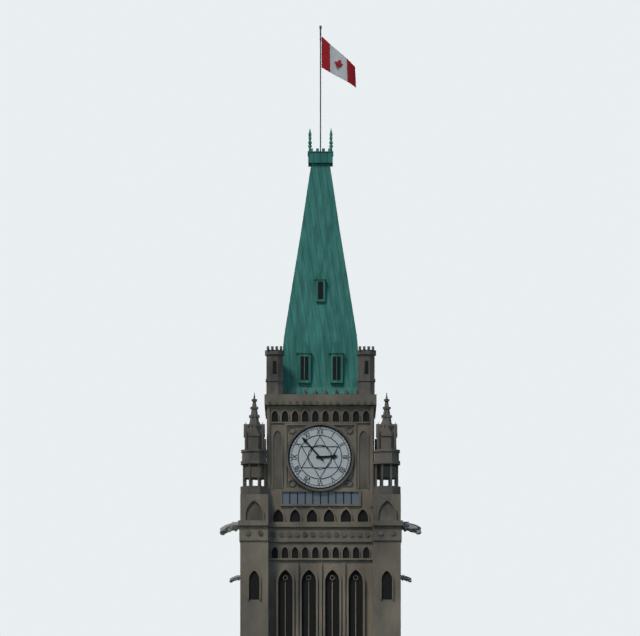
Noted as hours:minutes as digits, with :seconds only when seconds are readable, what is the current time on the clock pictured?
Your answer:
2:53
